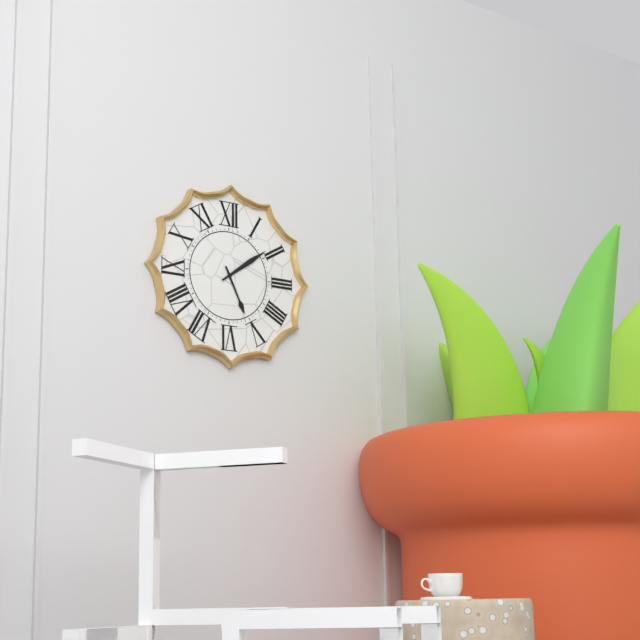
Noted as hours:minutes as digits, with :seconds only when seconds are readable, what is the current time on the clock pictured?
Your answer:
5:09
